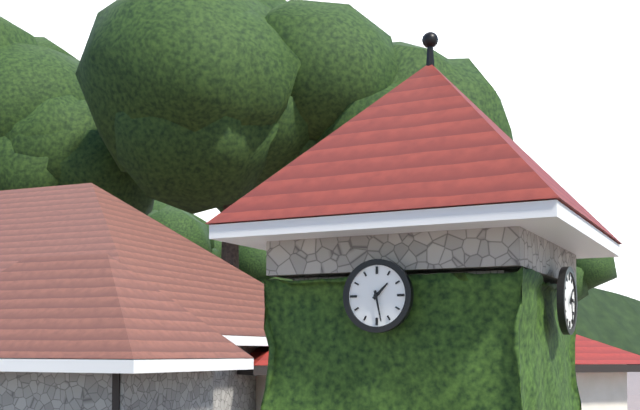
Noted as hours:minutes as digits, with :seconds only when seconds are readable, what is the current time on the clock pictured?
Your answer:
1:28
